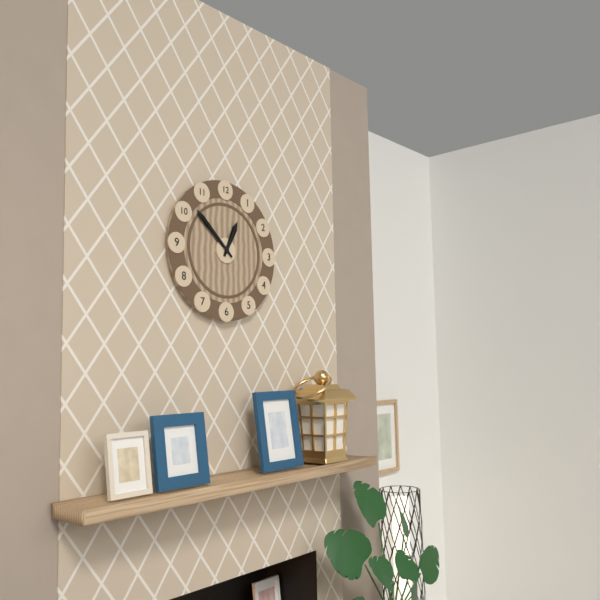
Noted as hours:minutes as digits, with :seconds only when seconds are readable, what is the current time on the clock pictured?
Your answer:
12:52
